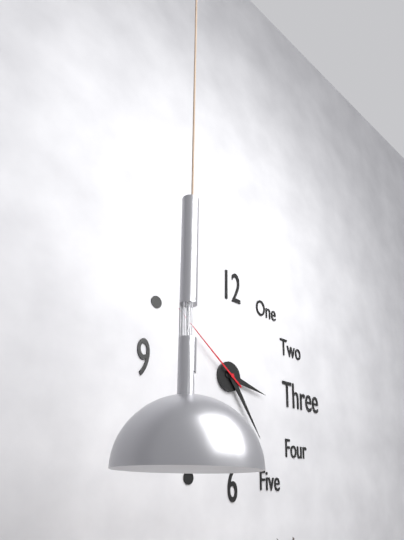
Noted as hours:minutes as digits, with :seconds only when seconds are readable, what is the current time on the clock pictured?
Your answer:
3:24:51
